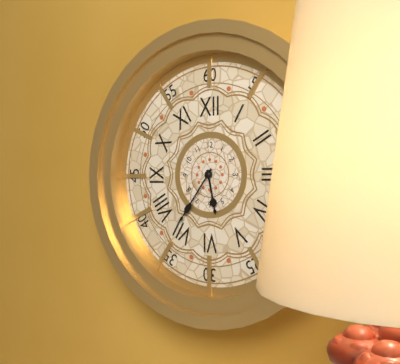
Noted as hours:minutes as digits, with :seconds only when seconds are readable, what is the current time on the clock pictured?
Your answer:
5:36
